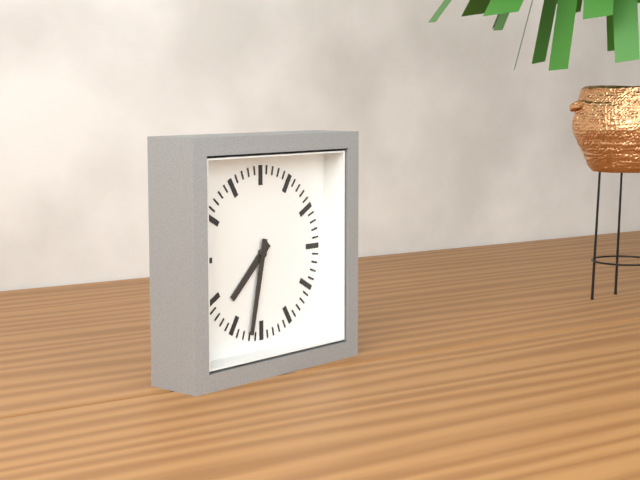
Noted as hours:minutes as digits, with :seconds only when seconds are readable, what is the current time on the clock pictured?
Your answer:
7:32
